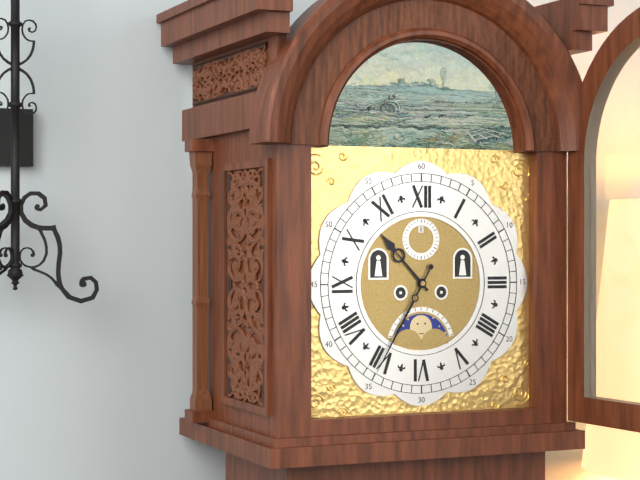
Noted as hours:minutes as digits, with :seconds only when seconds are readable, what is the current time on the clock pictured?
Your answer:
10:35
